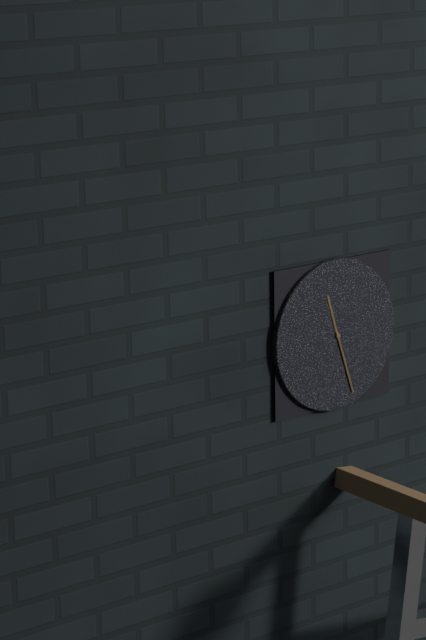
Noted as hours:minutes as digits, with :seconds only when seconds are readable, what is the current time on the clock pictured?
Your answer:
11:27
